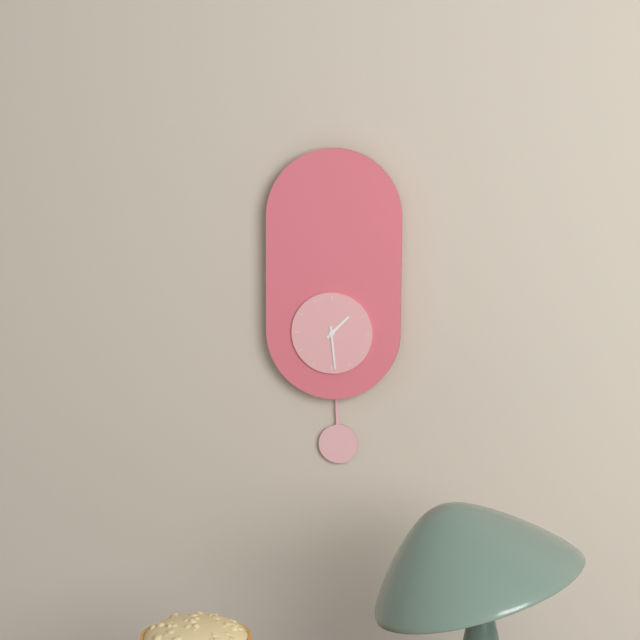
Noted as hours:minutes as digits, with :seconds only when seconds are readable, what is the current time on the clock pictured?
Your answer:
1:29
